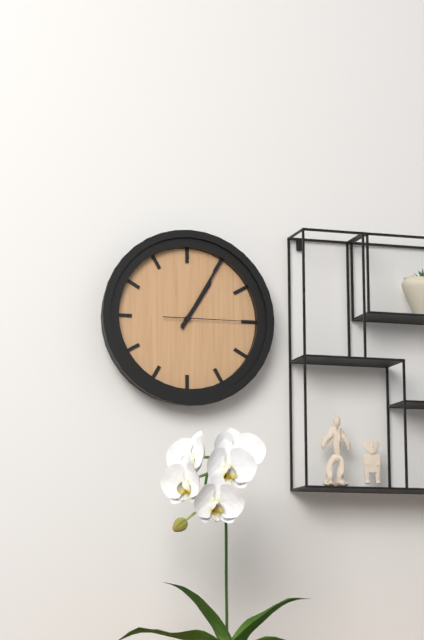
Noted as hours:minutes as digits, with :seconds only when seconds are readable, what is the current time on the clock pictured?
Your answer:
1:05:15
